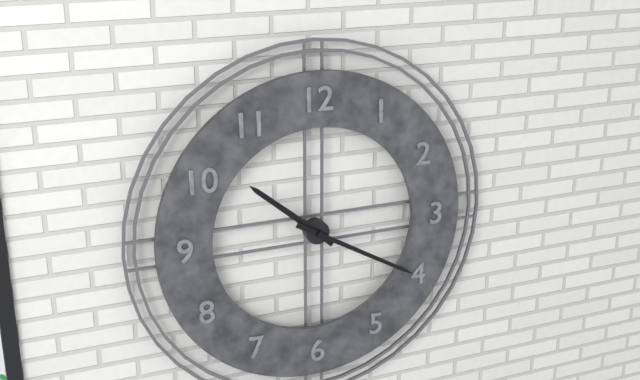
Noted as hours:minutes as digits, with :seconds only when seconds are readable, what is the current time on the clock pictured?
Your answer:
10:20
